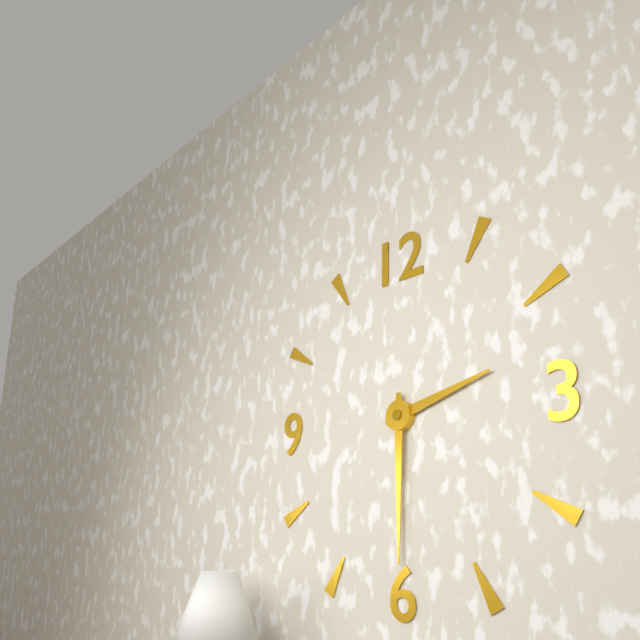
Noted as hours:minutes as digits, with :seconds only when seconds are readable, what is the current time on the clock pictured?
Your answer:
2:30
